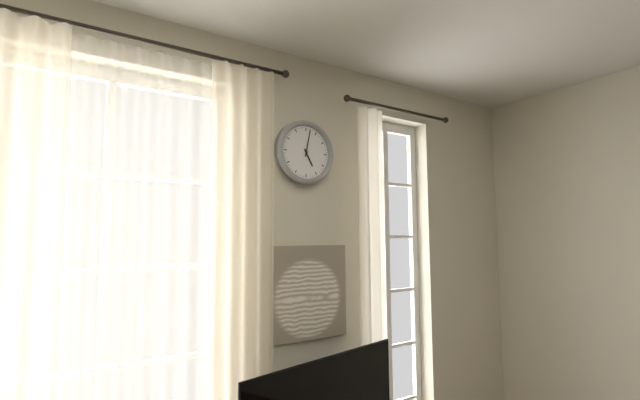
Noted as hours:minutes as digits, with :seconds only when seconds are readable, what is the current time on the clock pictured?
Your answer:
5:02
